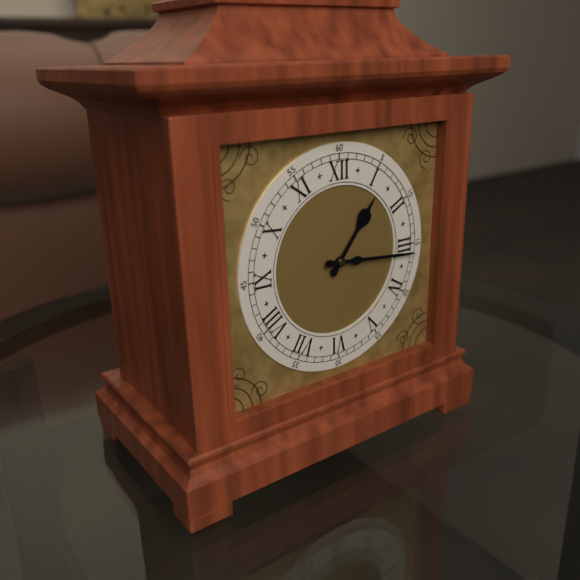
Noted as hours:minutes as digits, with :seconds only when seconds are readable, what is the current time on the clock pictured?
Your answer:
1:16
